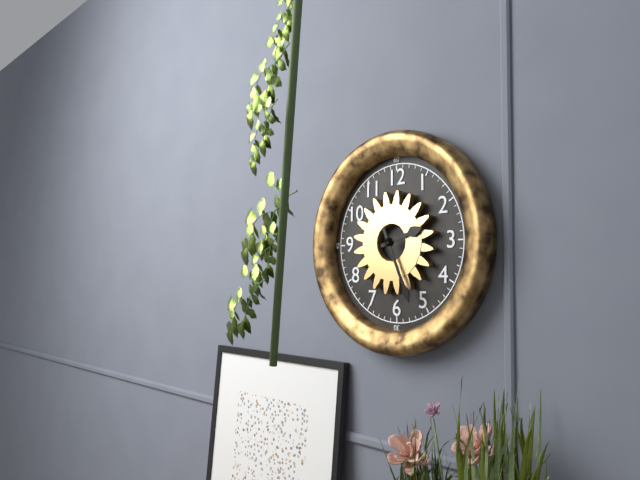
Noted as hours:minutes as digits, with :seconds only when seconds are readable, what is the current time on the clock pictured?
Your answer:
2:26
